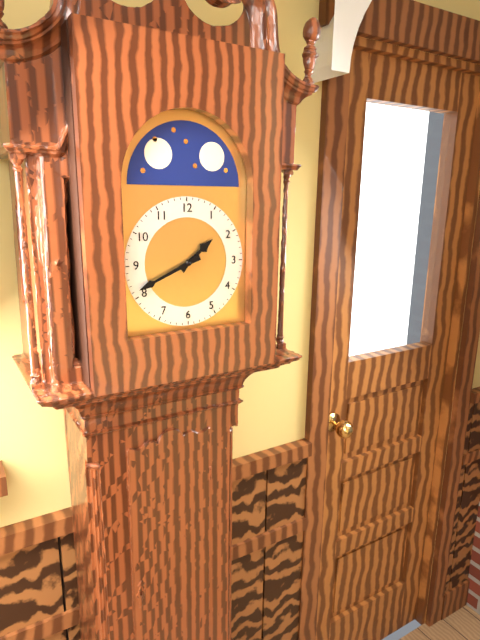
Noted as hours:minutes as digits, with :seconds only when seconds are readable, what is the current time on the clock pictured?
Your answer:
1:41
